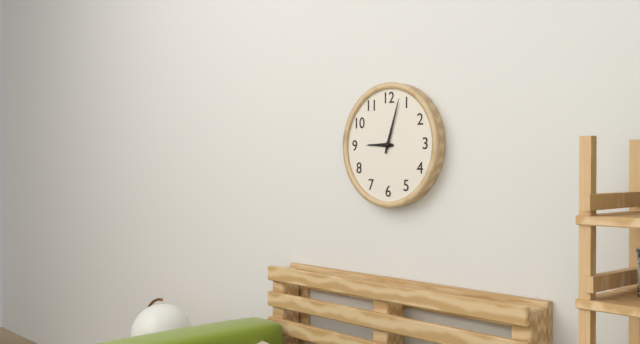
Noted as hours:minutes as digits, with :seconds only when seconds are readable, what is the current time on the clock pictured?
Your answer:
9:03
